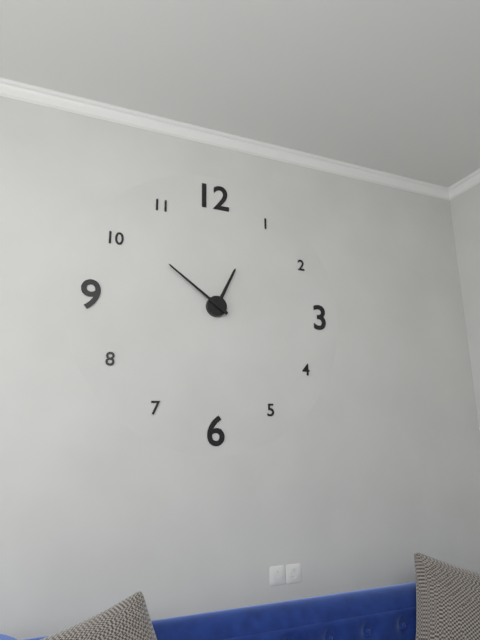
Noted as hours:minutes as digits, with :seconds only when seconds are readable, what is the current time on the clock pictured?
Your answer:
12:51
